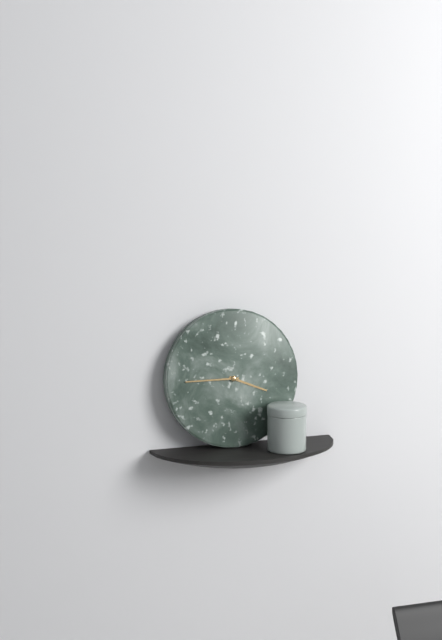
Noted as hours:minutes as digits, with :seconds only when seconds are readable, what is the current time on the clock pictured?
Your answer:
3:45
